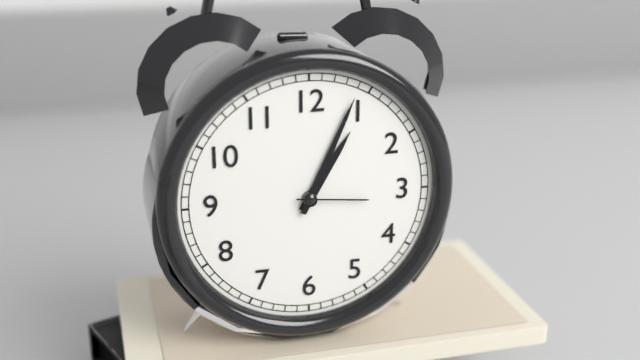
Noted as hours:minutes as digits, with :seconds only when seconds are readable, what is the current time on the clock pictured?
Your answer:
1:04:16
